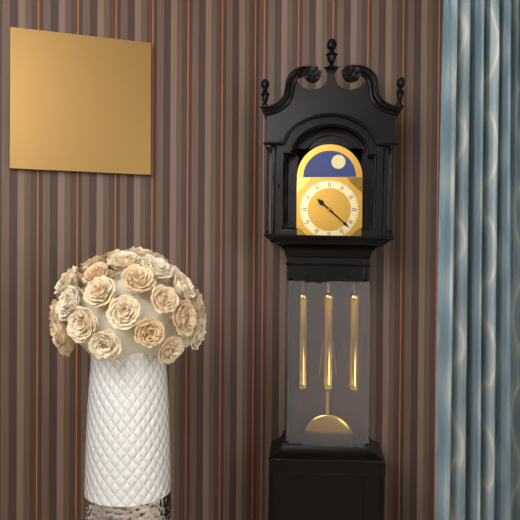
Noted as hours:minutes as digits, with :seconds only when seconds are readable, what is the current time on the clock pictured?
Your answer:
10:22
